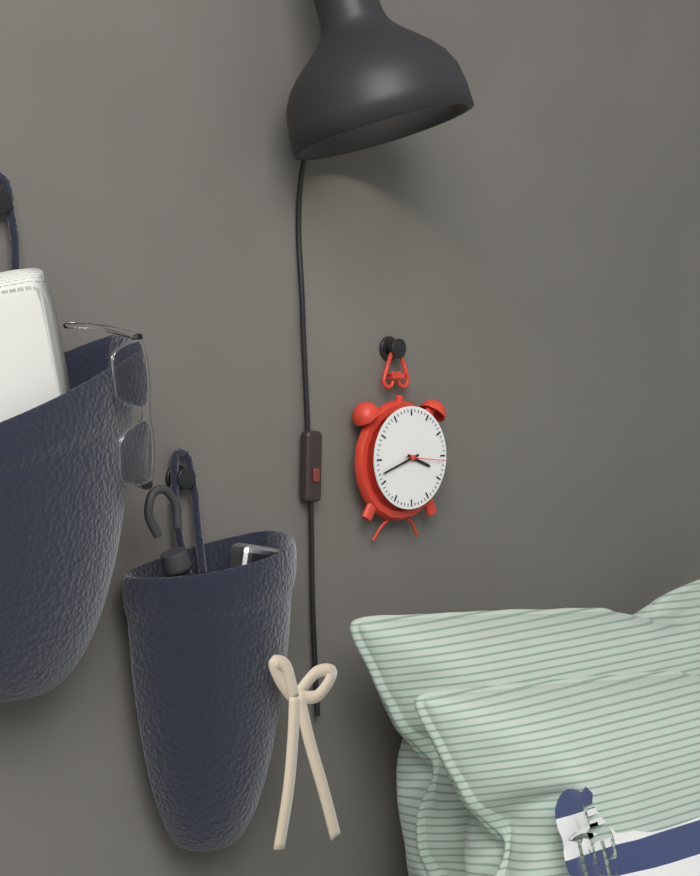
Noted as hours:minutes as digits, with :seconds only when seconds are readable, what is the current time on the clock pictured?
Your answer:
3:42
